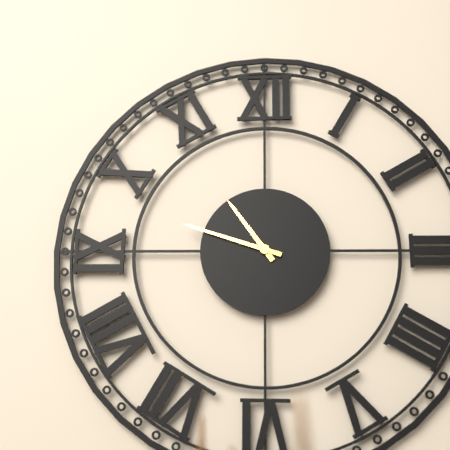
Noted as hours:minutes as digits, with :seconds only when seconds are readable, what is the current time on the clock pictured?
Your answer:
10:48
